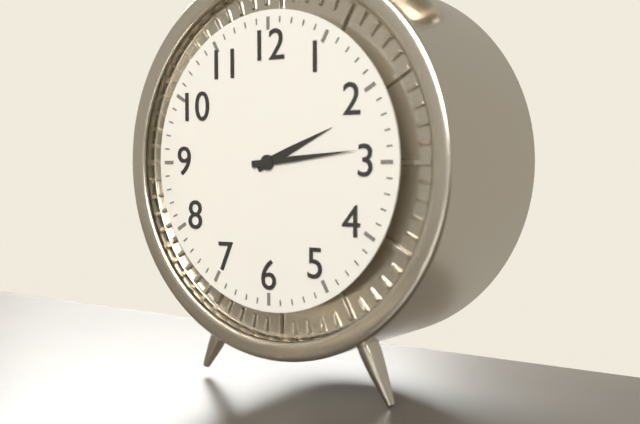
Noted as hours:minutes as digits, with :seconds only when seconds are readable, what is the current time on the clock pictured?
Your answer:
2:14
